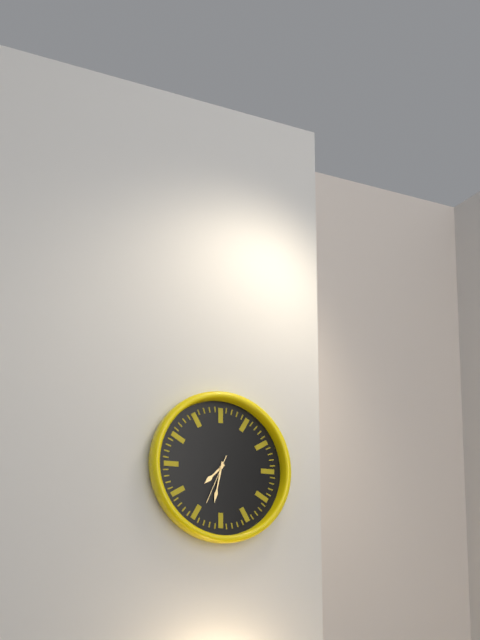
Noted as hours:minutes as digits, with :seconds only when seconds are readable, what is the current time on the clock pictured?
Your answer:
7:32
